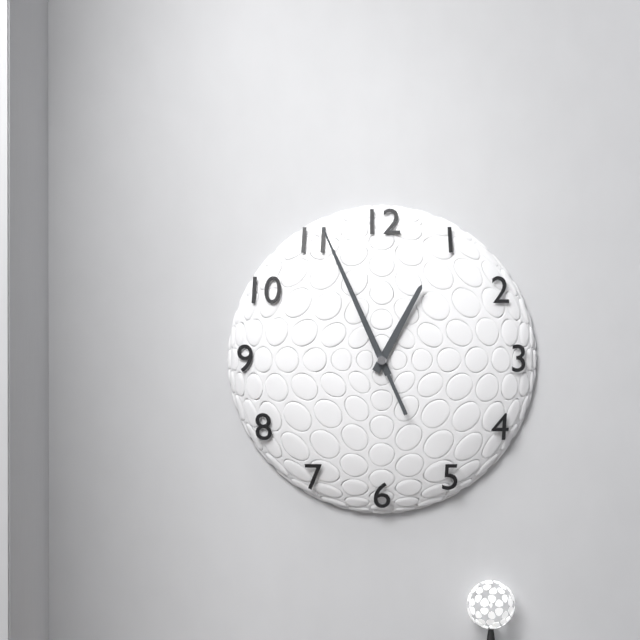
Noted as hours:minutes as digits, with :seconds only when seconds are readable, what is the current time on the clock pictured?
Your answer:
12:56:56
